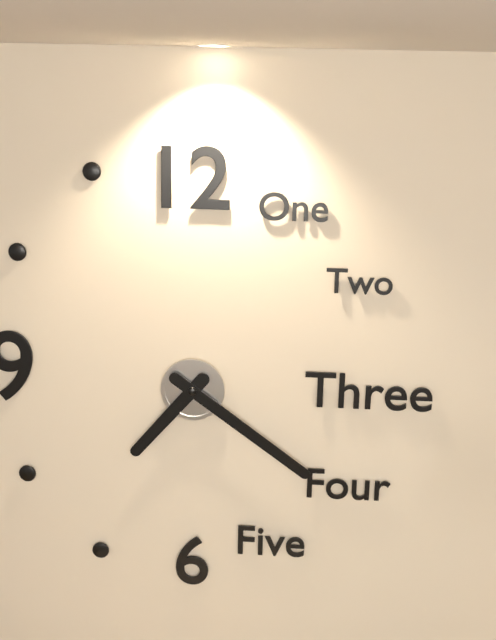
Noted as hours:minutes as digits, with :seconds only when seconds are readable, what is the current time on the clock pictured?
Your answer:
7:21
